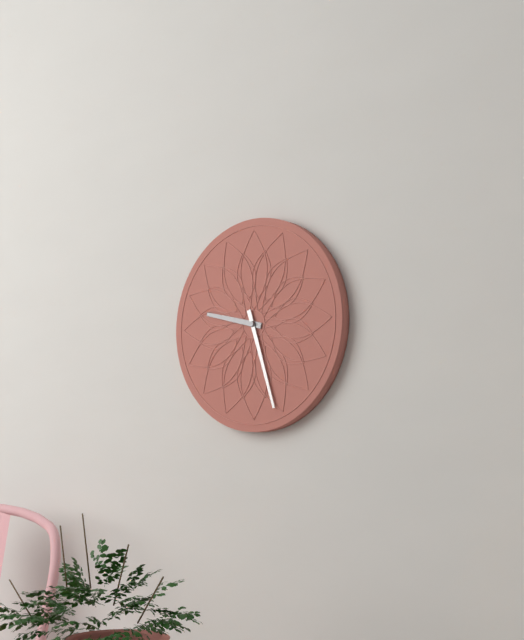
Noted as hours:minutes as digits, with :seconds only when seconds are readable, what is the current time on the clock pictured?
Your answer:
9:27
